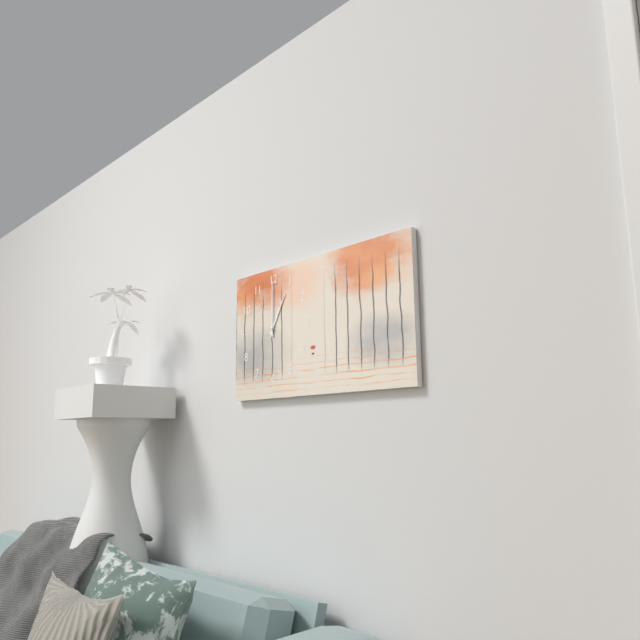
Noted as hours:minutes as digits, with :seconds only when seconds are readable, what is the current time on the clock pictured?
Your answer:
1:00
